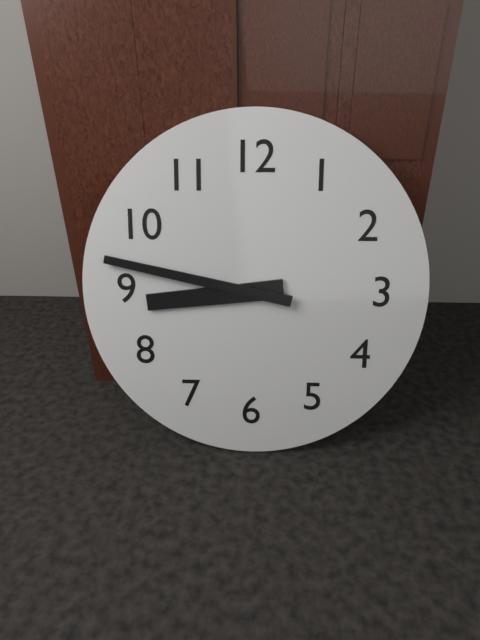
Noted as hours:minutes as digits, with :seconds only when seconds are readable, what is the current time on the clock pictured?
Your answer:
8:47
